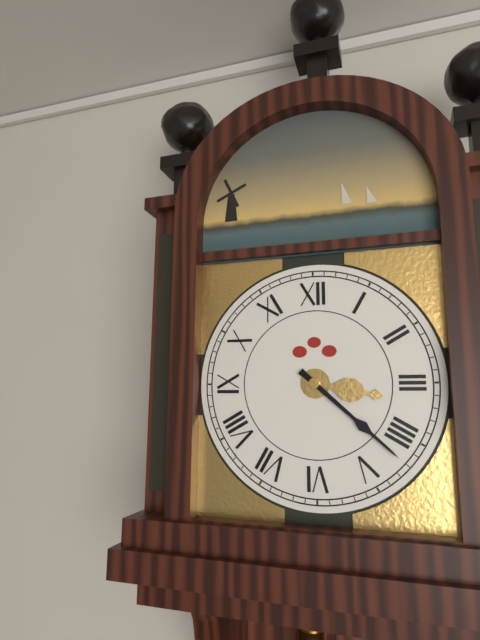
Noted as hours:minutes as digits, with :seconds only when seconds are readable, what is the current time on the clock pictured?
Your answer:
3:22
